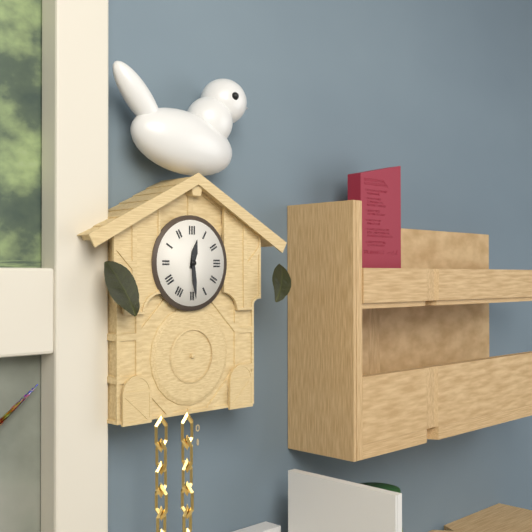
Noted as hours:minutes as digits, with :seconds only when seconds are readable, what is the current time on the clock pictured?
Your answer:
12:29
